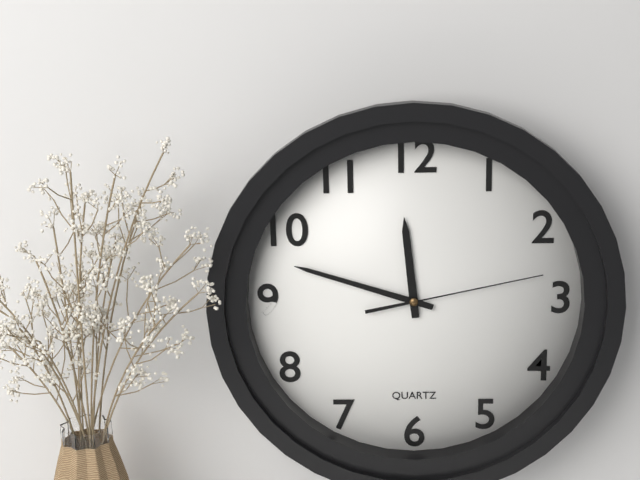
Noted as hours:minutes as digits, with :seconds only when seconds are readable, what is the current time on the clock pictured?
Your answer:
11:48:13
